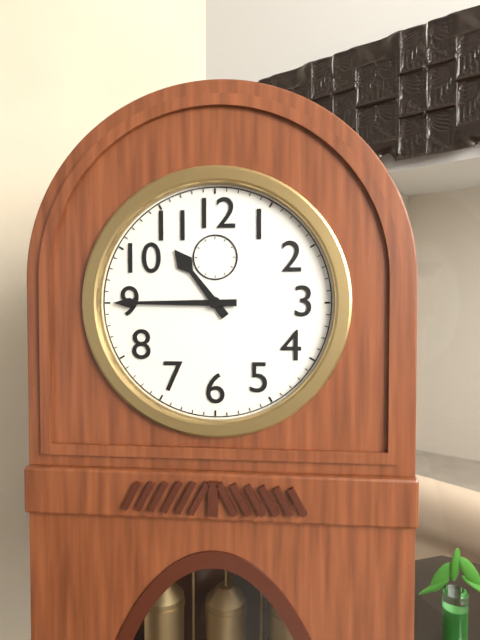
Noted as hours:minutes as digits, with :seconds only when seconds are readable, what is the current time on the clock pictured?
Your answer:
10:45
